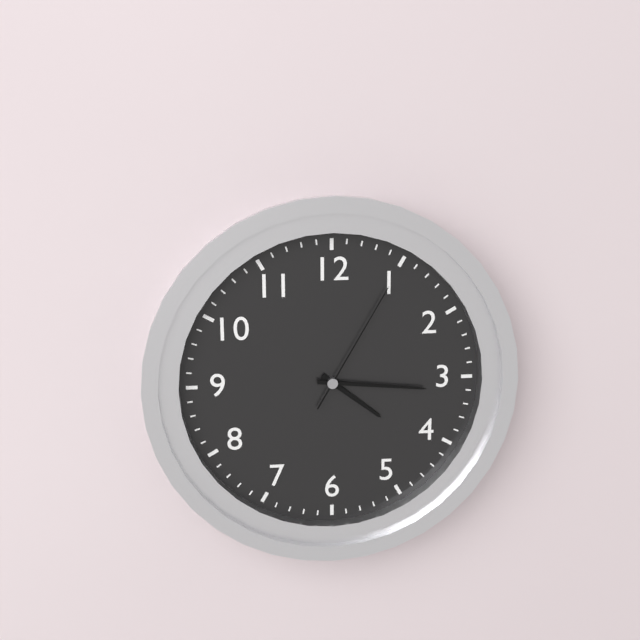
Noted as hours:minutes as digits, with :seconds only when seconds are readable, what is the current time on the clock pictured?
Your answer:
4:16:05
